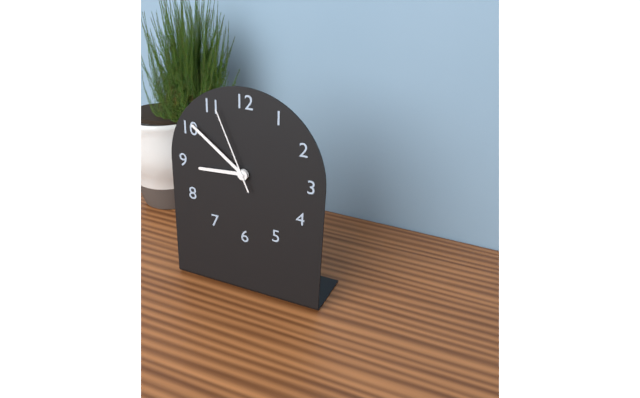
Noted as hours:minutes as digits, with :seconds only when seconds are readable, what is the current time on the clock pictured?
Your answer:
8:51:56
